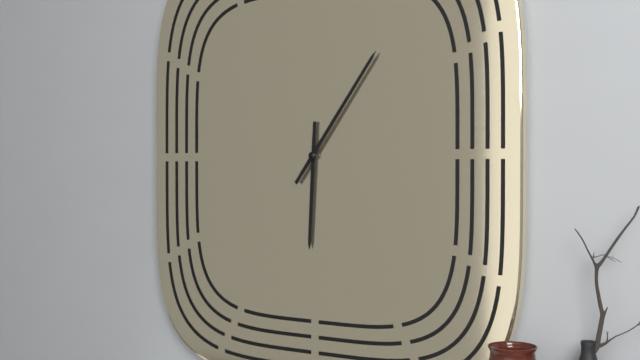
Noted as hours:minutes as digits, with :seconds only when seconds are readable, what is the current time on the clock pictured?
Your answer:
6:06
